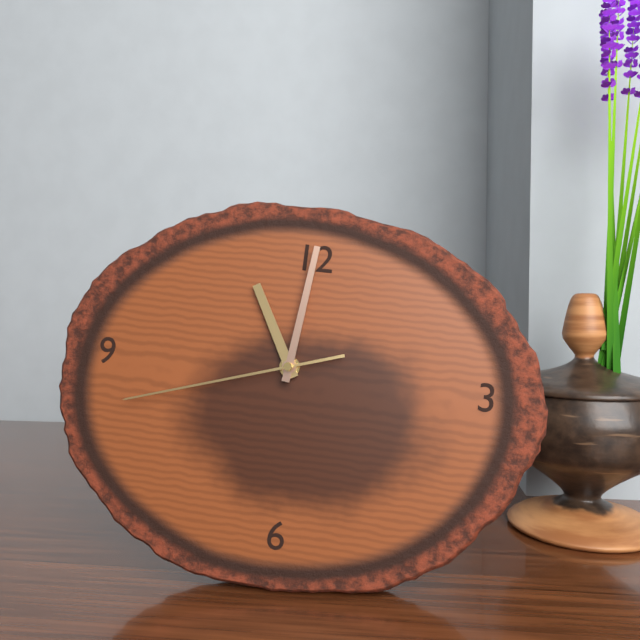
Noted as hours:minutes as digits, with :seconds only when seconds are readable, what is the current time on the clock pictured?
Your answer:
11:01:42
